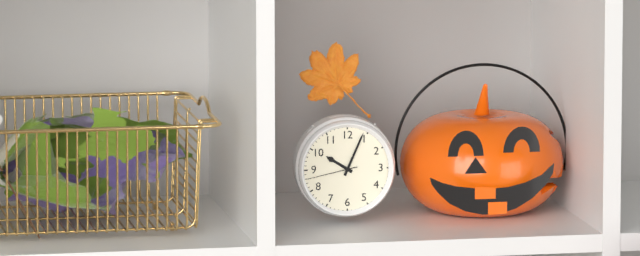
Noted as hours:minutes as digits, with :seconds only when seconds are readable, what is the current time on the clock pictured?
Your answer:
10:04:43
